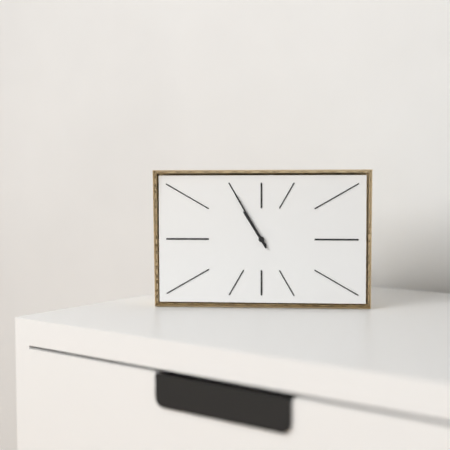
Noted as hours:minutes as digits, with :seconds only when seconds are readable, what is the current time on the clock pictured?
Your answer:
10:55
